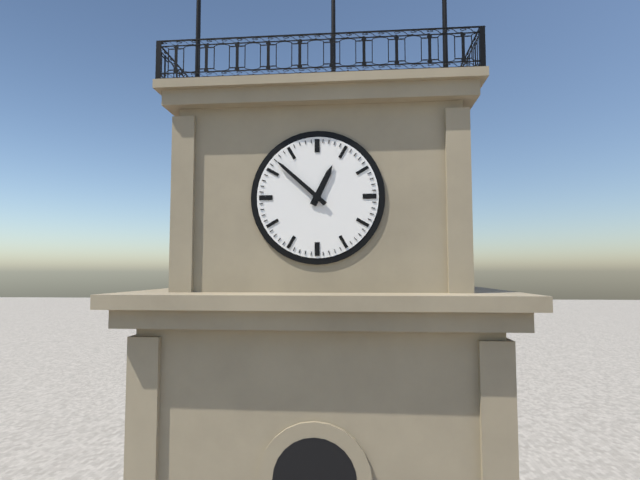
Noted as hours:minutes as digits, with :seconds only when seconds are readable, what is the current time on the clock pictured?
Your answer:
12:52
